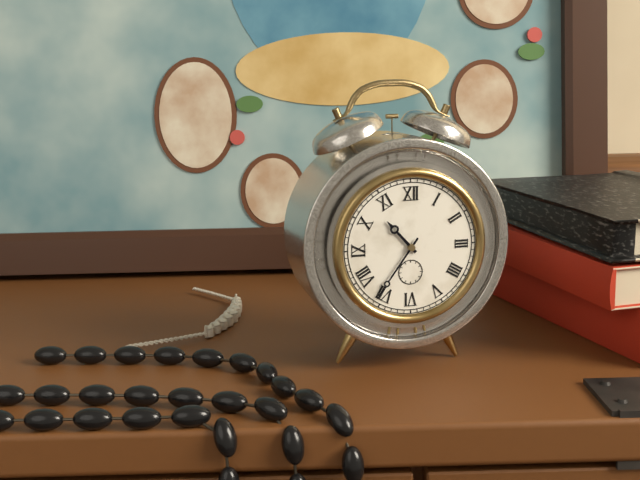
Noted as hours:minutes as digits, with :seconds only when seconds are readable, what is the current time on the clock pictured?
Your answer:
10:36
